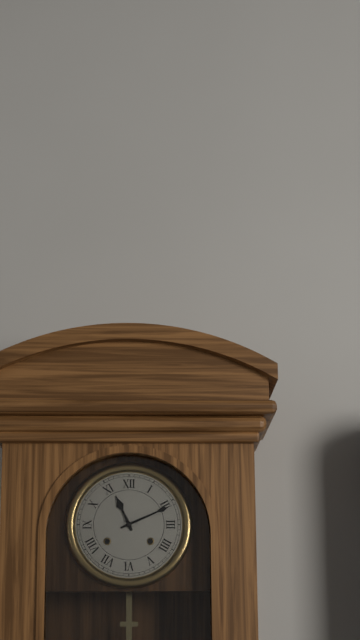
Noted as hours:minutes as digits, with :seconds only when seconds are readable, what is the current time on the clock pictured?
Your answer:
11:11
